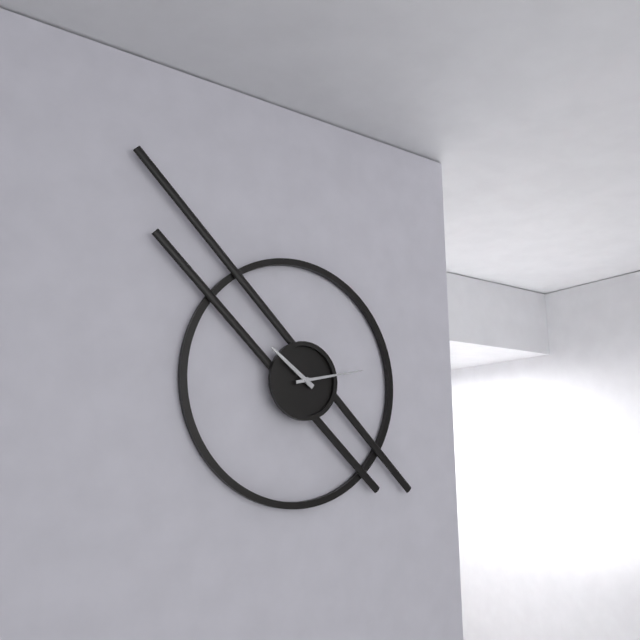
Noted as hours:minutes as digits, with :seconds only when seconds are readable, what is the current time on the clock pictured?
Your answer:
10:13
